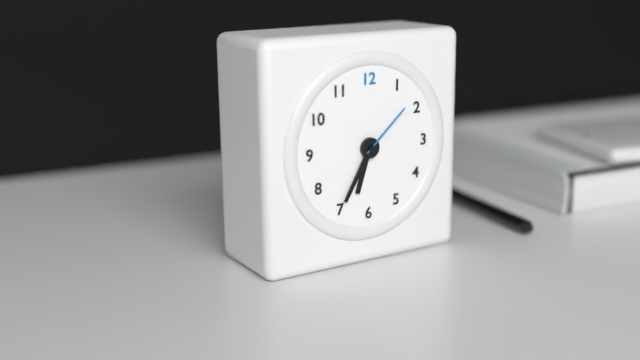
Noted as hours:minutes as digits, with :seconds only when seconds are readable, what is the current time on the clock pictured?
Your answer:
6:35:08
